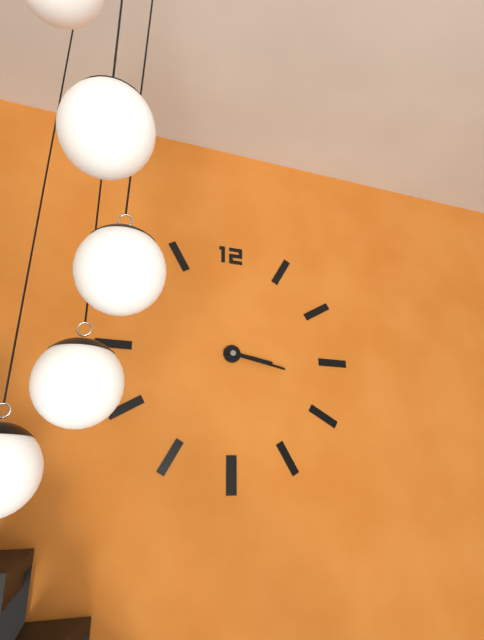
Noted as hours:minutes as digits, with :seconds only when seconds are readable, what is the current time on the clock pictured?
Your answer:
3:17
